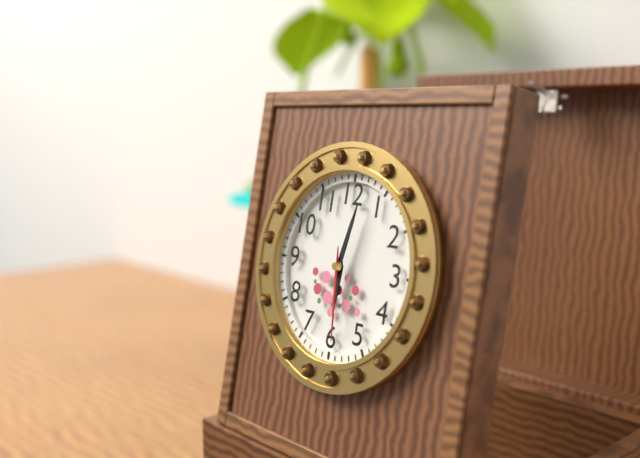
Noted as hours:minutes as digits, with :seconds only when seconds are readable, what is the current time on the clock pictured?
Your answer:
6:02:29
